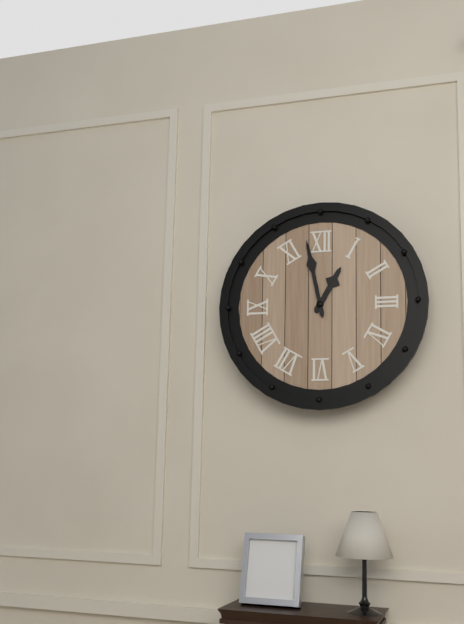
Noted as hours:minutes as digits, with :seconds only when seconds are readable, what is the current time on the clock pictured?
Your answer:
12:58
